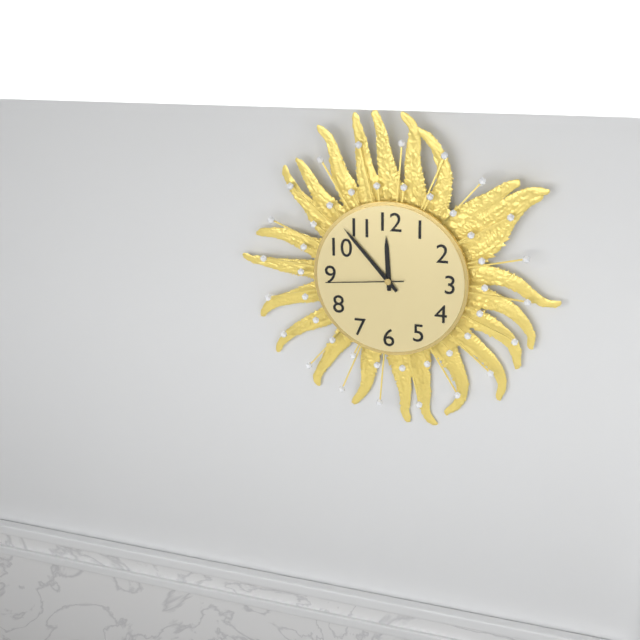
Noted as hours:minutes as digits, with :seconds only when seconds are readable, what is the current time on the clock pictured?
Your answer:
11:53:44
